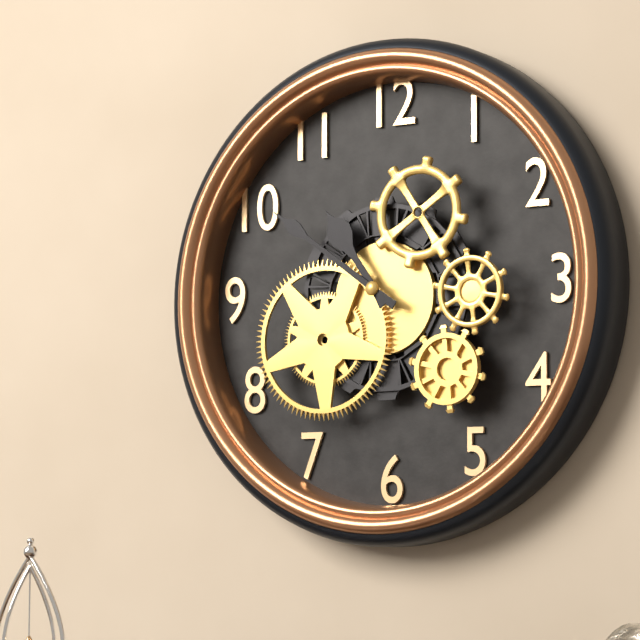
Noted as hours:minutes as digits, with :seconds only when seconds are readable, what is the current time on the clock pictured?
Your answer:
10:51
